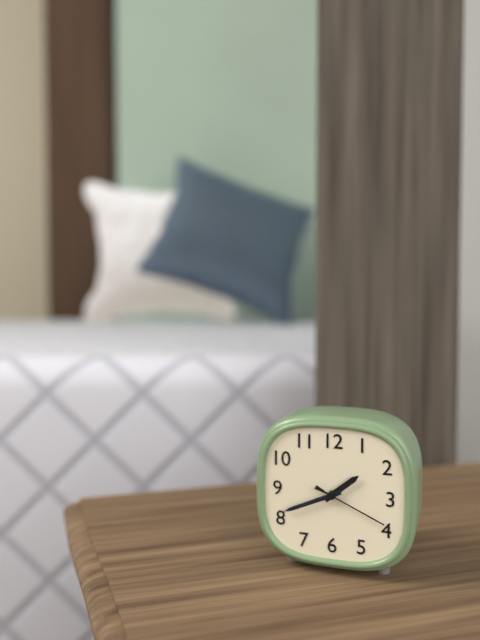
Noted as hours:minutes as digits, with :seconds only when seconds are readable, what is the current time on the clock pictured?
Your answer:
1:41:19
